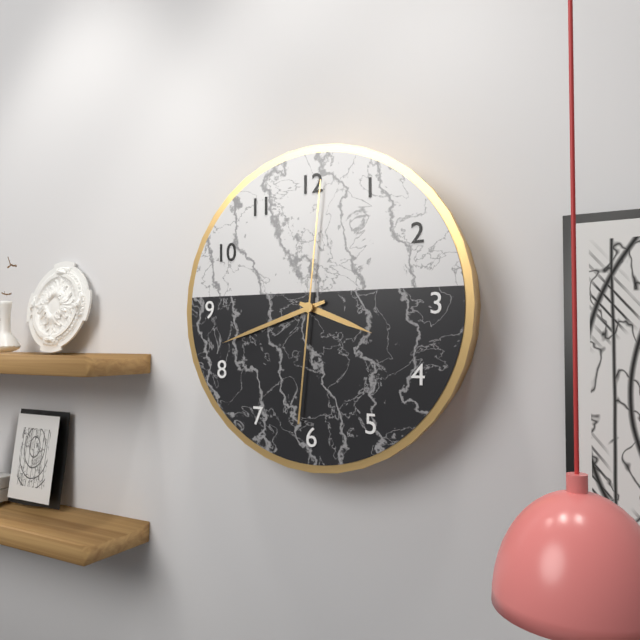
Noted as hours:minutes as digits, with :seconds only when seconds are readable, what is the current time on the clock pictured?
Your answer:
3:42:01
